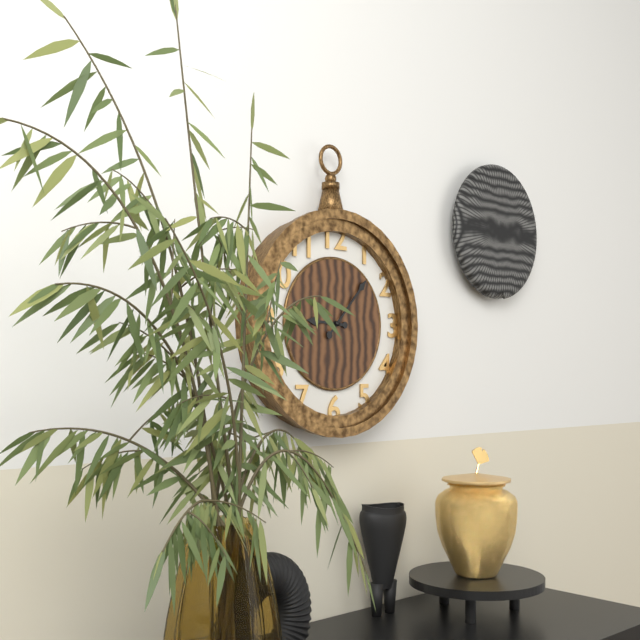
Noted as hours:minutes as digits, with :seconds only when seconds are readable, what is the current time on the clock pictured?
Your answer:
9:07
